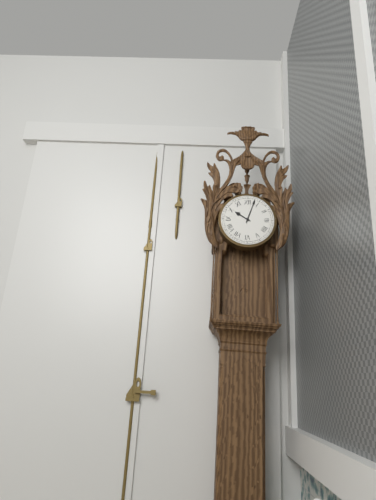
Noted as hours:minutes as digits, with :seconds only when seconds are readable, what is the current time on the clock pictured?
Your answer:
10:03
